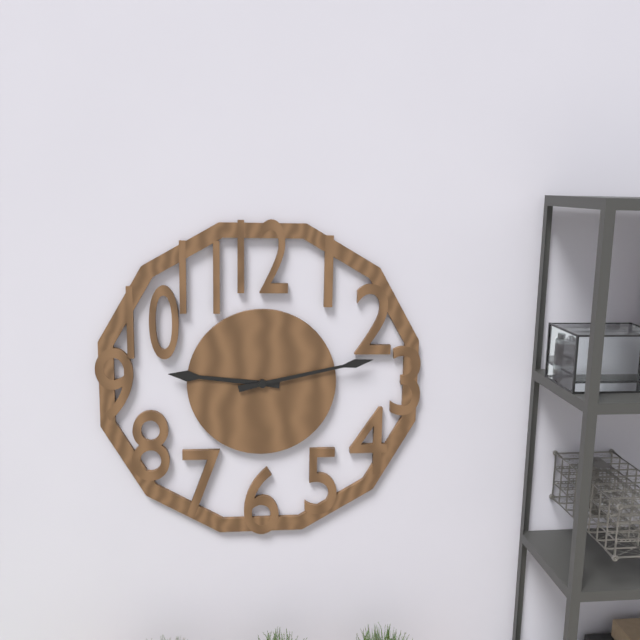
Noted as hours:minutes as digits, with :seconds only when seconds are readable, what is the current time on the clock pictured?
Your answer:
9:13
